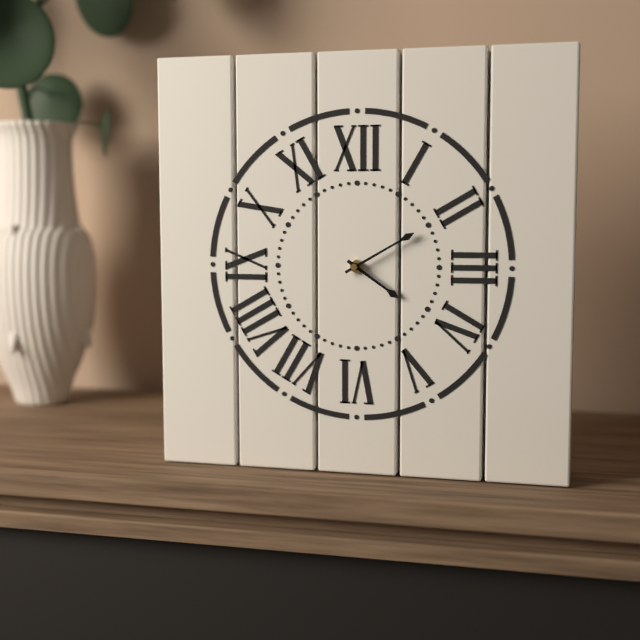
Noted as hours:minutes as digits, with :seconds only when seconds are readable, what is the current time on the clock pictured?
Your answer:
4:10
